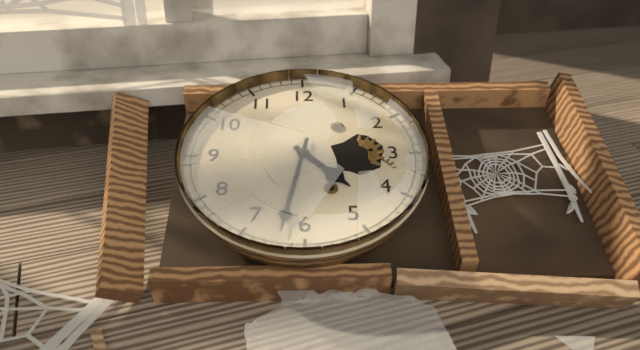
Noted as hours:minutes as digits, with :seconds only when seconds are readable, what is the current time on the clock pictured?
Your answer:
4:32
